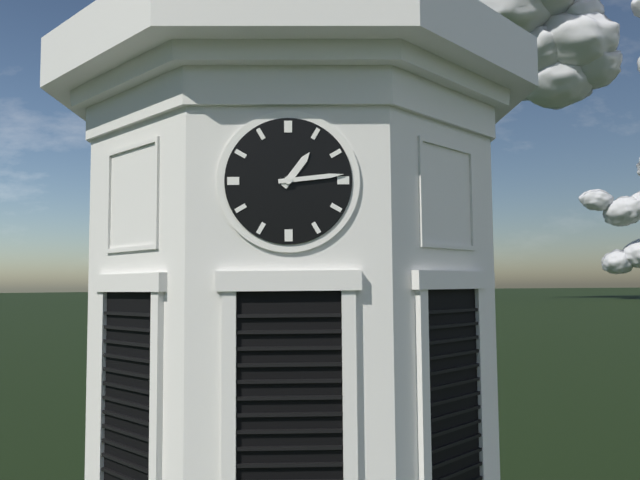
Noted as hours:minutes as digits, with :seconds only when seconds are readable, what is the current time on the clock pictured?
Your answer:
1:14
